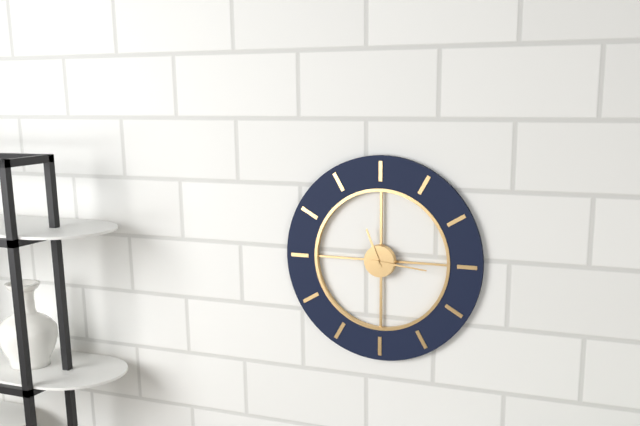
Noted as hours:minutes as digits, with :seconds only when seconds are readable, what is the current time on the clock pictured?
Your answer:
11:16
